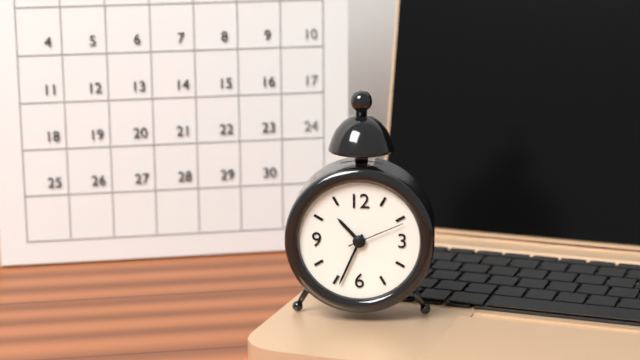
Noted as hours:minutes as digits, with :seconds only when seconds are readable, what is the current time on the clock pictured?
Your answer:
10:34:11
